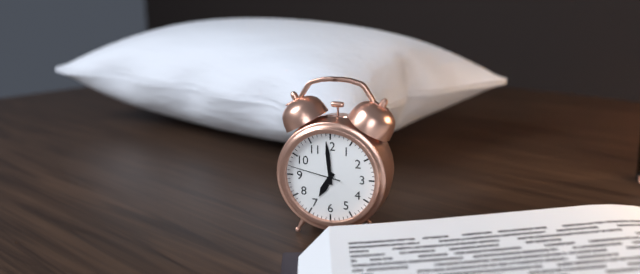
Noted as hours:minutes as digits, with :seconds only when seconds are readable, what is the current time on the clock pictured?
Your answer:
6:59:47
